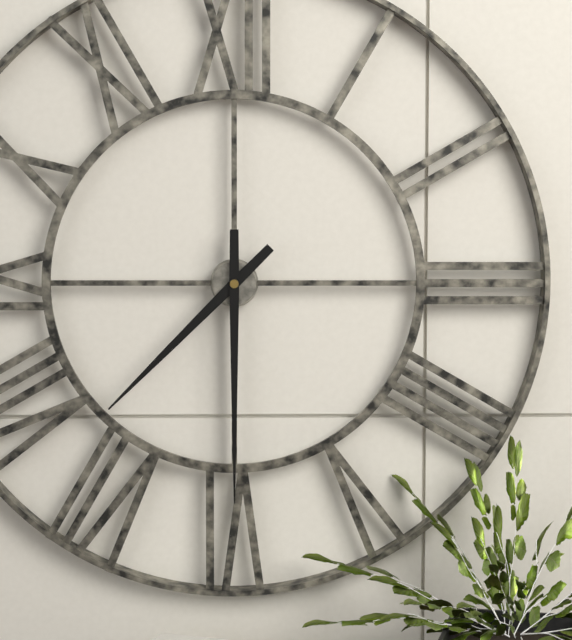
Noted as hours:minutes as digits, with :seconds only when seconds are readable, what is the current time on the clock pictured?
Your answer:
7:30
